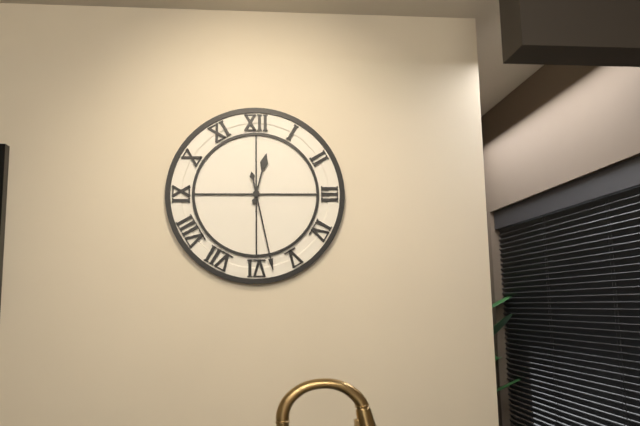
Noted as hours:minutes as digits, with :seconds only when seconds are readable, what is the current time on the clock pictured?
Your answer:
12:28
